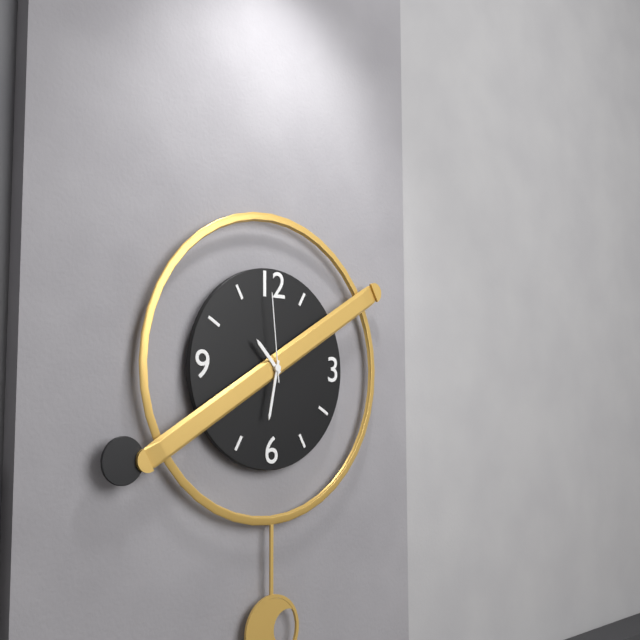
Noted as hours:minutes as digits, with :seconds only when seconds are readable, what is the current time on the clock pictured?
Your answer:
10:32:59
